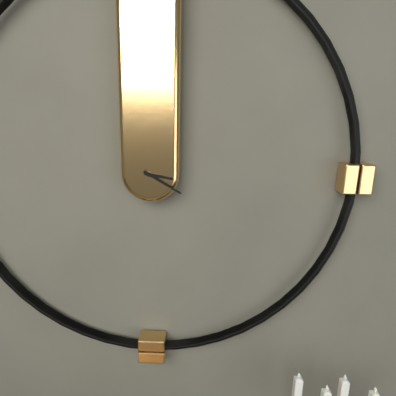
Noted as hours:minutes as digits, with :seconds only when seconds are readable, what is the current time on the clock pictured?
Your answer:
3:20
